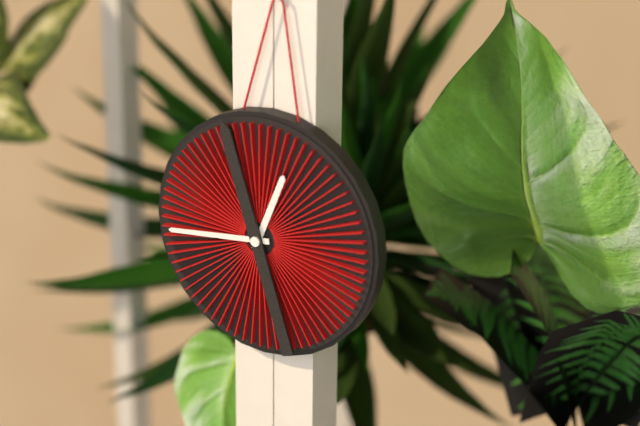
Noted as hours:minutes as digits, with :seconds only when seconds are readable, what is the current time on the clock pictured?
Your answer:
12:44:57
